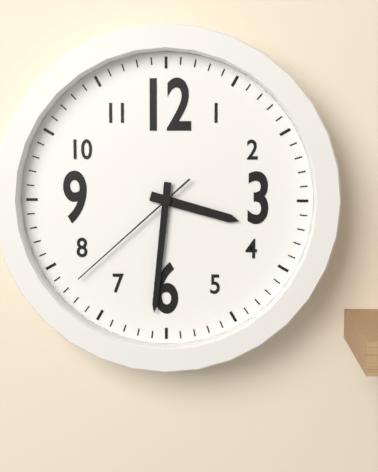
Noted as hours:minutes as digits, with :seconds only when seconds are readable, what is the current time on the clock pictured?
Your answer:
3:31:38
